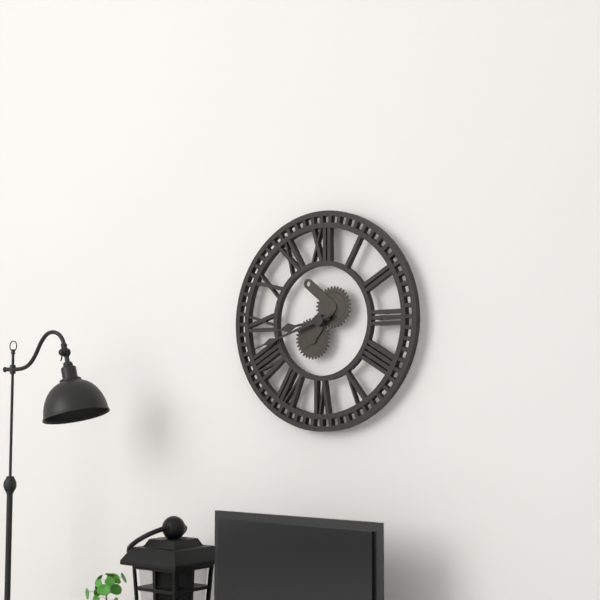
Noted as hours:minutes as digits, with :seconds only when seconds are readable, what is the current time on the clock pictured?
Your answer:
8:42
